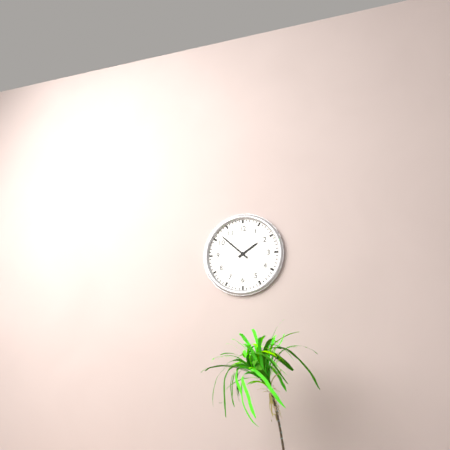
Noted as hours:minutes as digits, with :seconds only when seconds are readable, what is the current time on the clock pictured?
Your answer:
1:52
